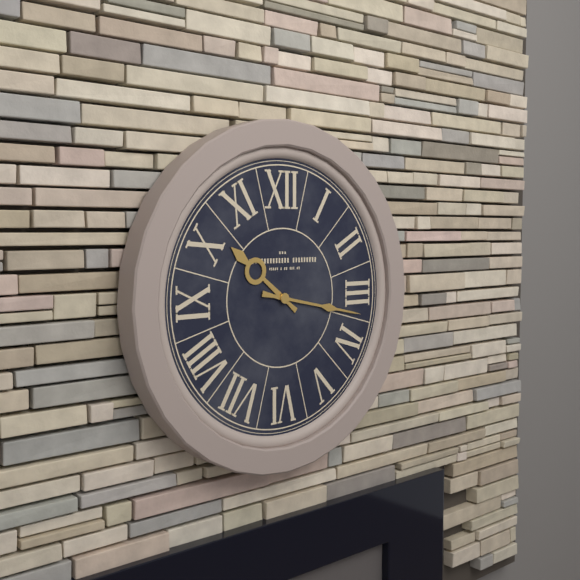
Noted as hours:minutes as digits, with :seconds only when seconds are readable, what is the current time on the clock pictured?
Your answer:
10:17
